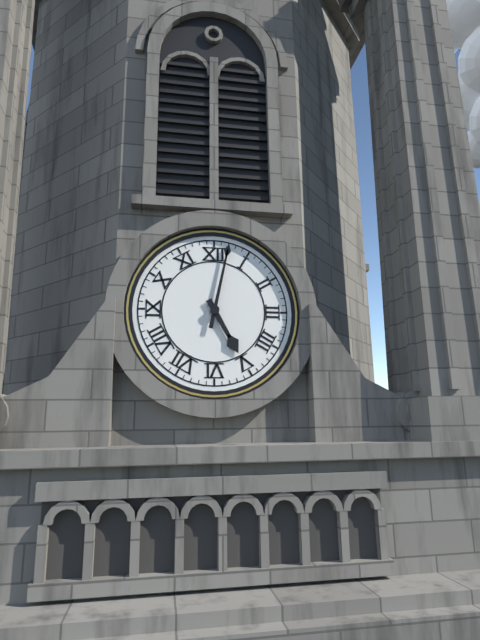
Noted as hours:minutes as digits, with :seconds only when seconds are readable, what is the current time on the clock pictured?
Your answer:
5:02
